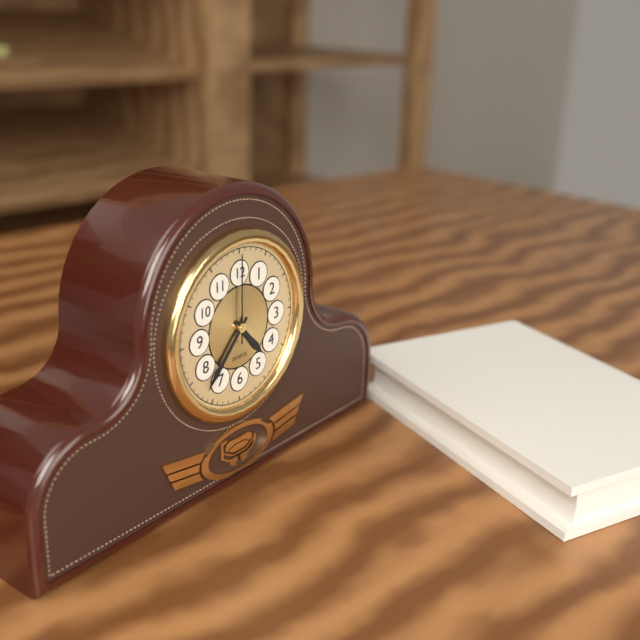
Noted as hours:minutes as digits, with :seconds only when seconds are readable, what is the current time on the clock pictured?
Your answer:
4:37:00
